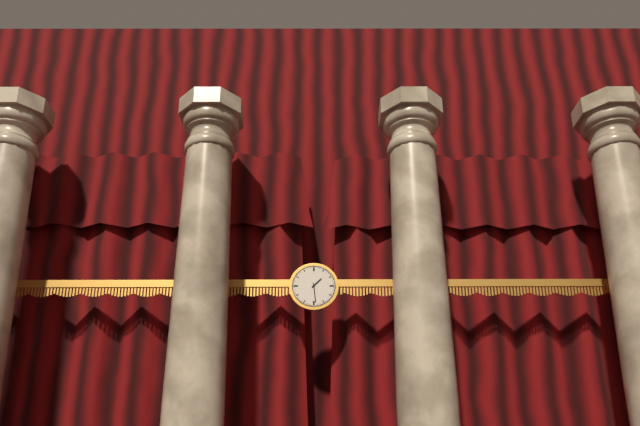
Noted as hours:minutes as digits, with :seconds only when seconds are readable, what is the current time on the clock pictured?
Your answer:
1:29
